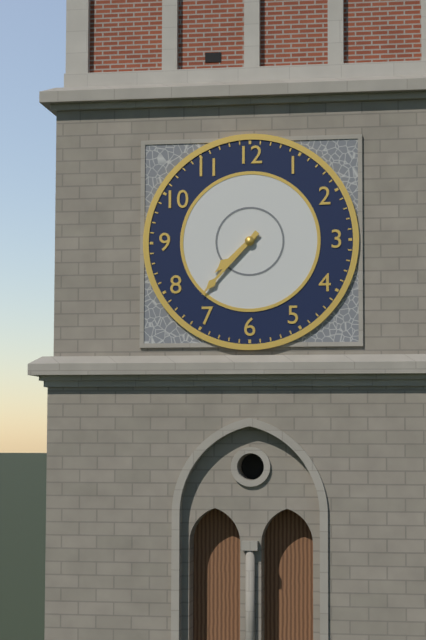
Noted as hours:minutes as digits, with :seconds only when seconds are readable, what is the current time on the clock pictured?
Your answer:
7:37
